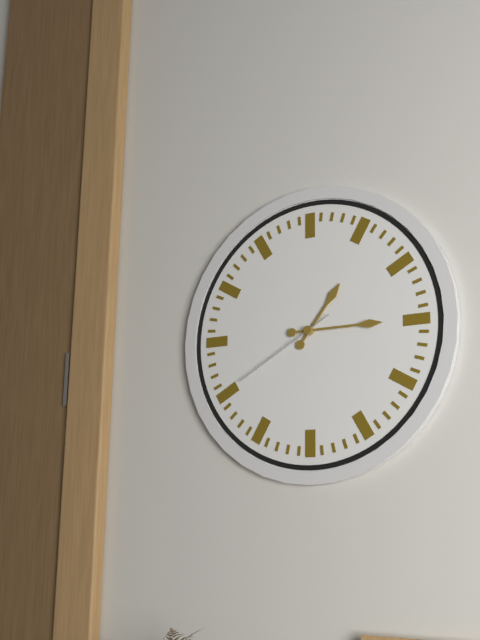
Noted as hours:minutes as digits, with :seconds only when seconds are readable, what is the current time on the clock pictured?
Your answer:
1:15:40
